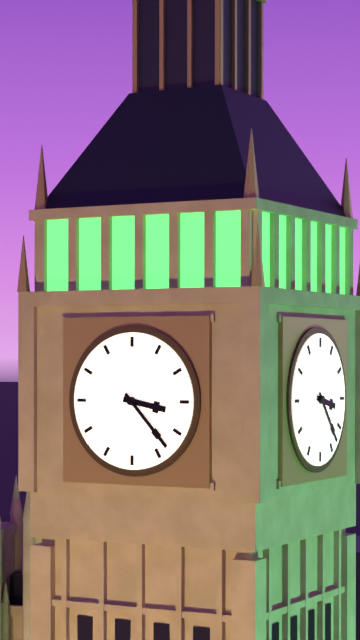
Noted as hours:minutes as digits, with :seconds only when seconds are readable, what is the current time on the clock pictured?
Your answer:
3:23
